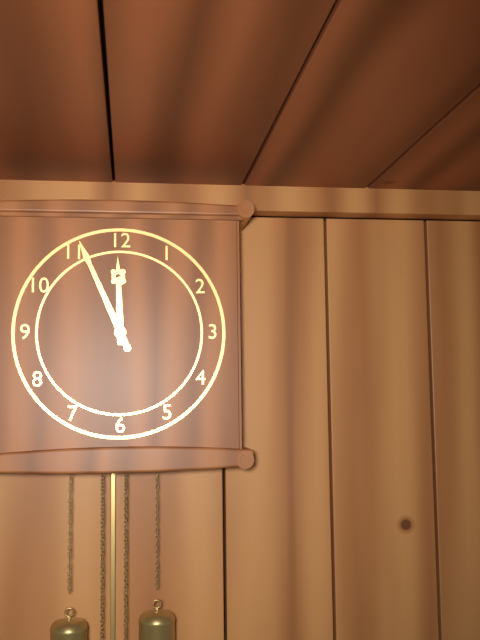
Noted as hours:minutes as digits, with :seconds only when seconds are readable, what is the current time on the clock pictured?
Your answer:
11:56
